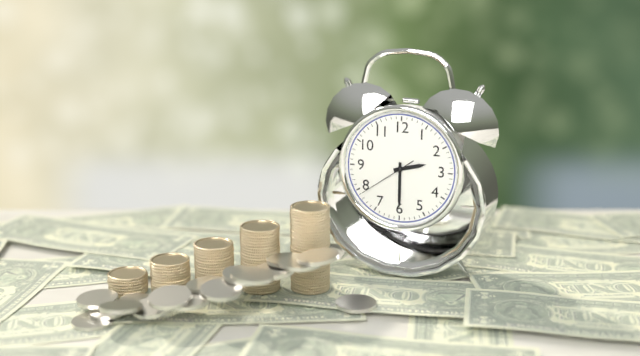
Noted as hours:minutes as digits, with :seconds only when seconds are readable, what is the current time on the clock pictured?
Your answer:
2:30:39
